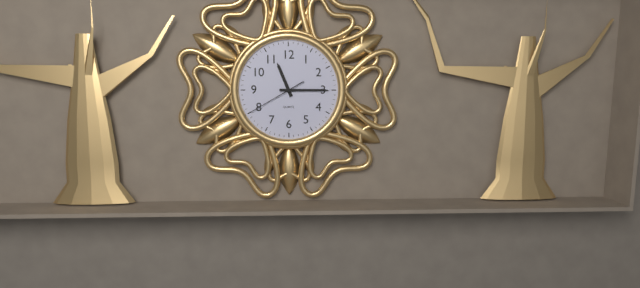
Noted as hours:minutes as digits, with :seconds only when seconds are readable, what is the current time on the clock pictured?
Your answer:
11:15:40
